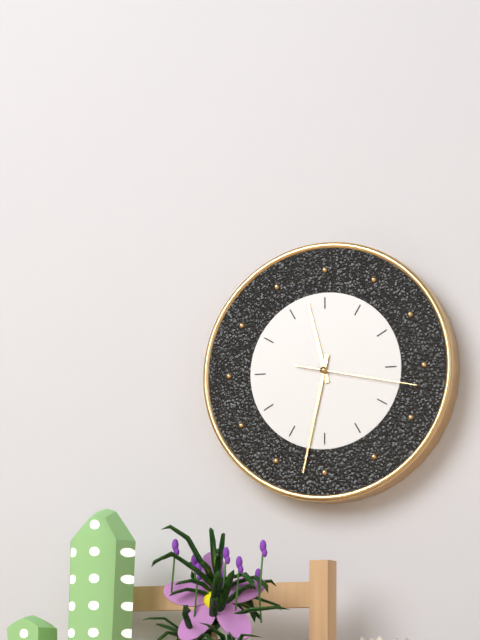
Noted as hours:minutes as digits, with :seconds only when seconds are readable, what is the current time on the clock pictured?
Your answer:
11:32:17
